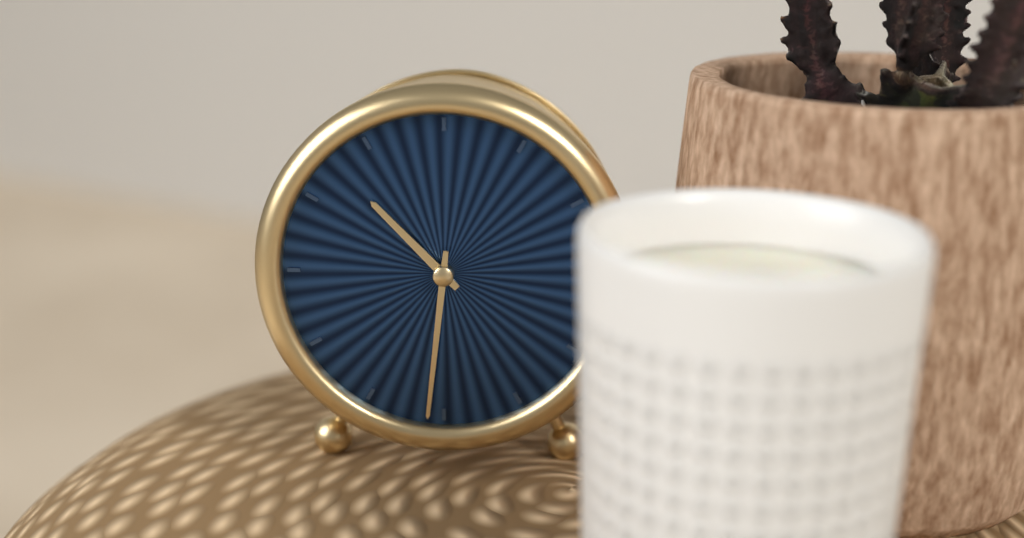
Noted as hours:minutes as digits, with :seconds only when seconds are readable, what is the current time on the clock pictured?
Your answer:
10:31
